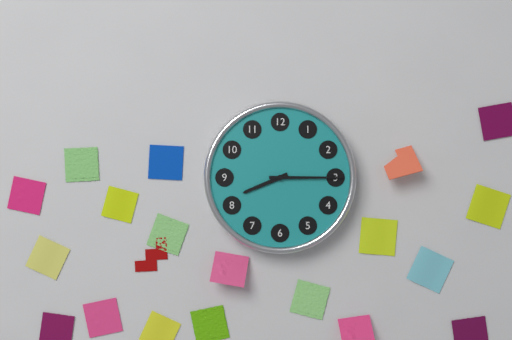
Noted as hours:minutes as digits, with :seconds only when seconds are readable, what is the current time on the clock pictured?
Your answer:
8:15
